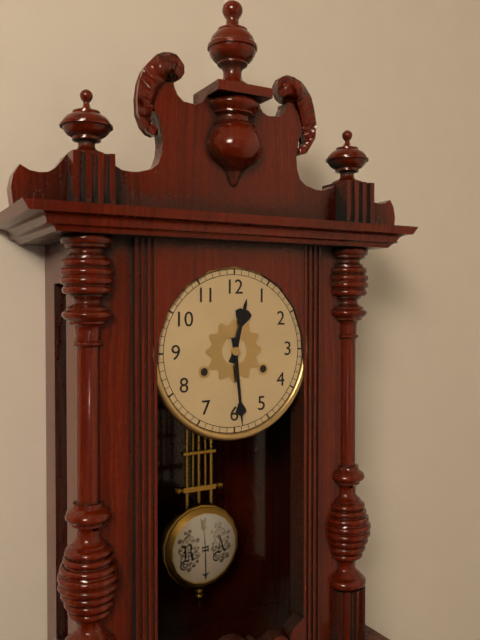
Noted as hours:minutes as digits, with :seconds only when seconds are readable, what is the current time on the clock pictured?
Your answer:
12:29
